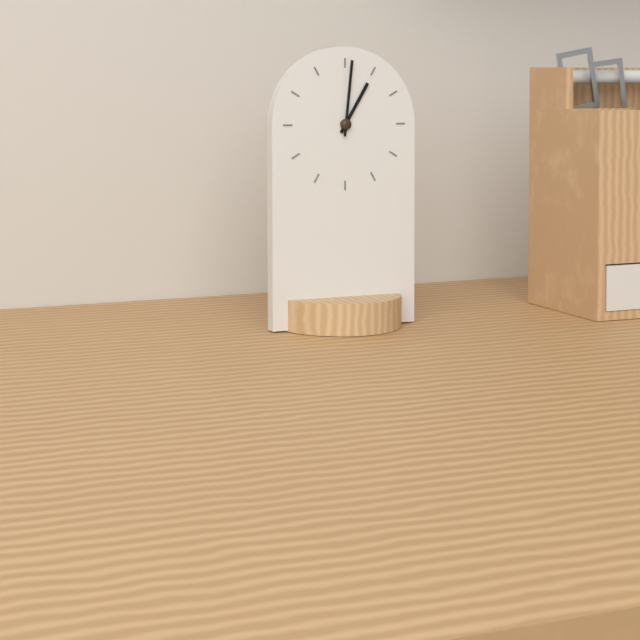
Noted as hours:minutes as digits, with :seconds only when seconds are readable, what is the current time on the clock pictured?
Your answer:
1:01
